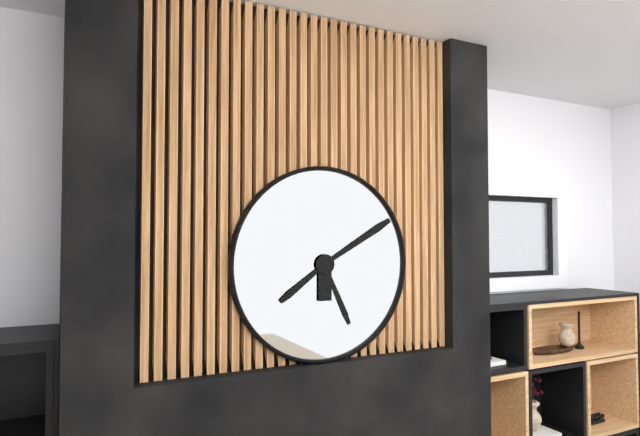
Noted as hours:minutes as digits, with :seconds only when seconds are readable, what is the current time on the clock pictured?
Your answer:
5:10:39
